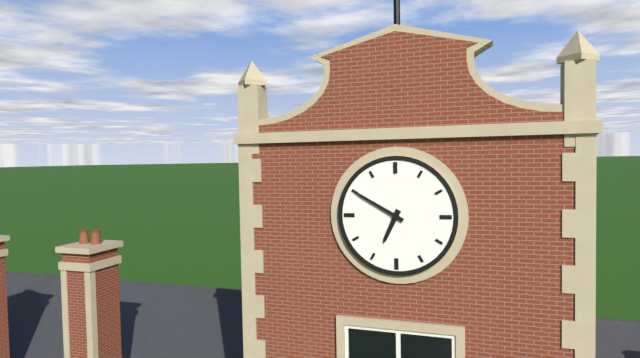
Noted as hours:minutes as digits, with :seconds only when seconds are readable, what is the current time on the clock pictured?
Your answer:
6:50
